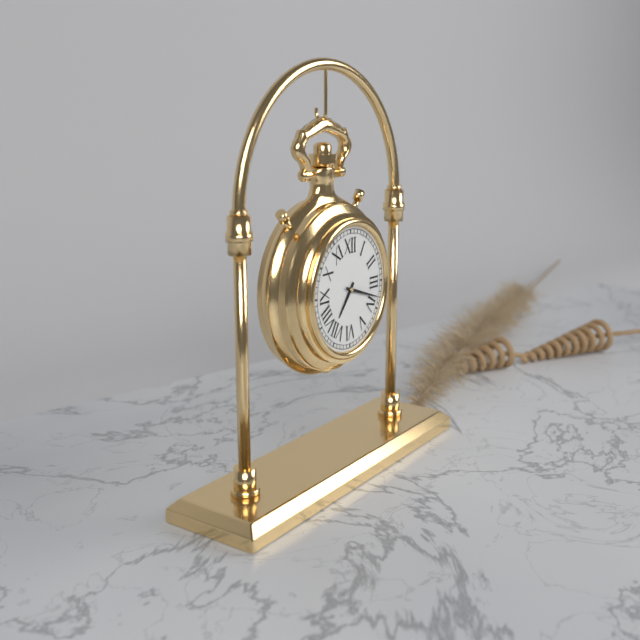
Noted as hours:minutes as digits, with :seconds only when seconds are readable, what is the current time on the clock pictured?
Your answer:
7:18
